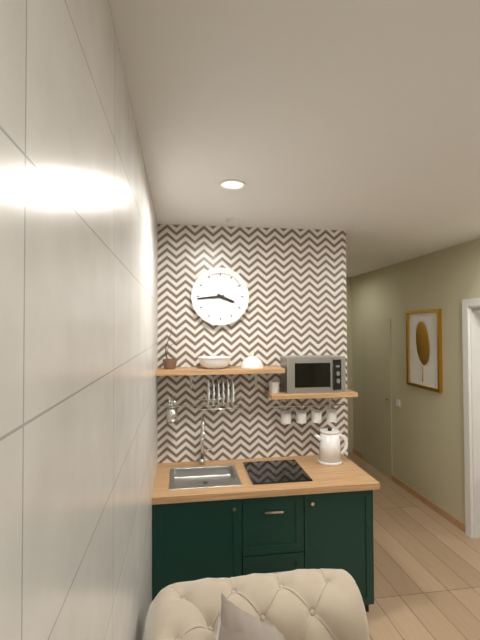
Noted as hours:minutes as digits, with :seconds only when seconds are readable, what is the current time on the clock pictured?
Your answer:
3:44
